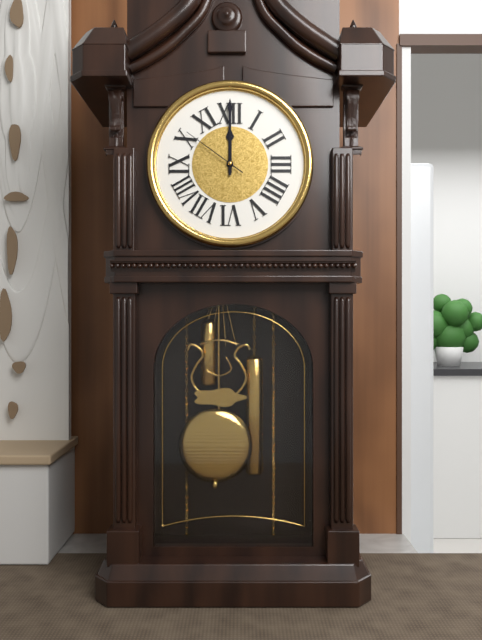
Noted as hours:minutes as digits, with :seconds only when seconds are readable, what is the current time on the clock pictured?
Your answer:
12:00:51
